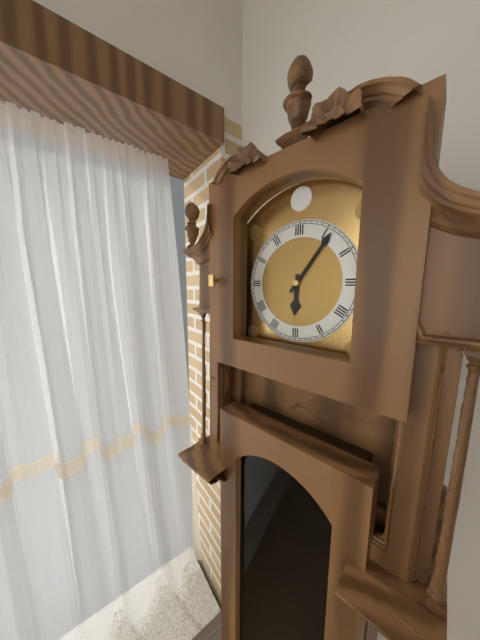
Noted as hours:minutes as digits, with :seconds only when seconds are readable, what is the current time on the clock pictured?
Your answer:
6:06
